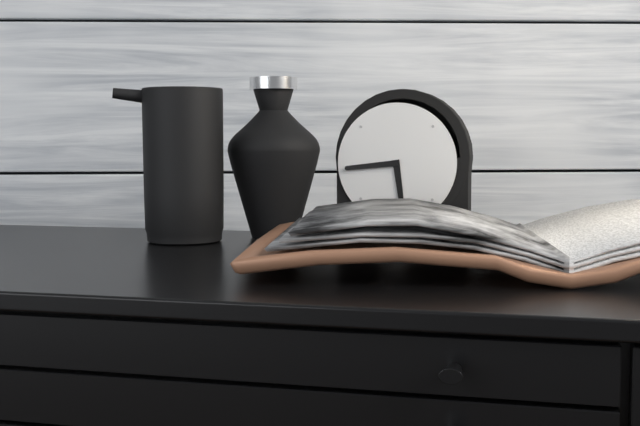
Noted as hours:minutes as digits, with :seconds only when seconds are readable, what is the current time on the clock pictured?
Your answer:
5:44
